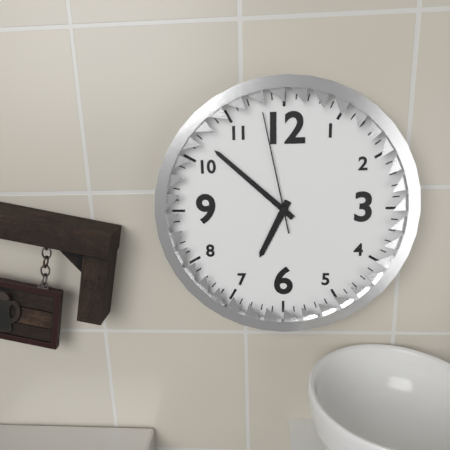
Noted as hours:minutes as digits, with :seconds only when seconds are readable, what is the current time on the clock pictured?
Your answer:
6:52:58
